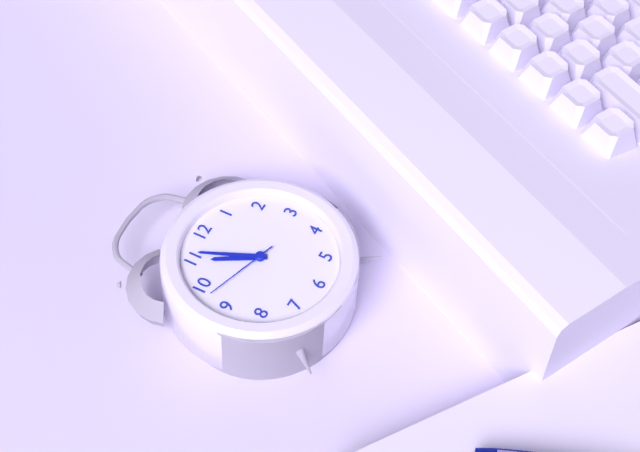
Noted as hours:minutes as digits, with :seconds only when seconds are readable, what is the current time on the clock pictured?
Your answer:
10:56:48
